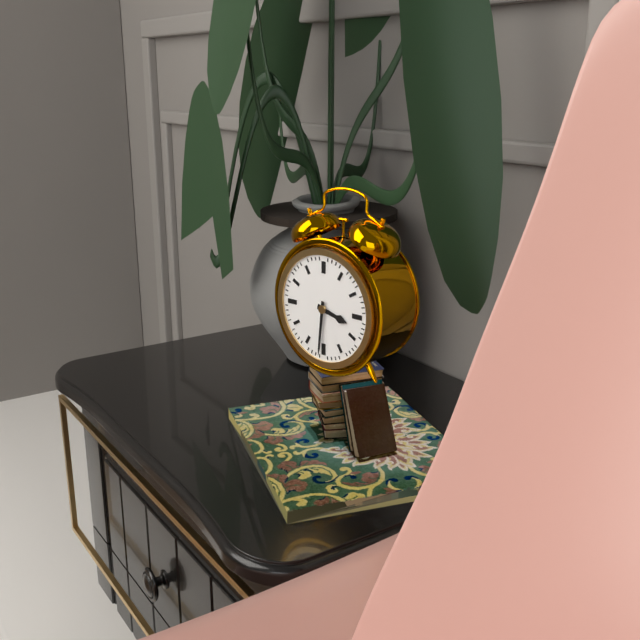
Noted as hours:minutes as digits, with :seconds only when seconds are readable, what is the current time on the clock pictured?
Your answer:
3:31
